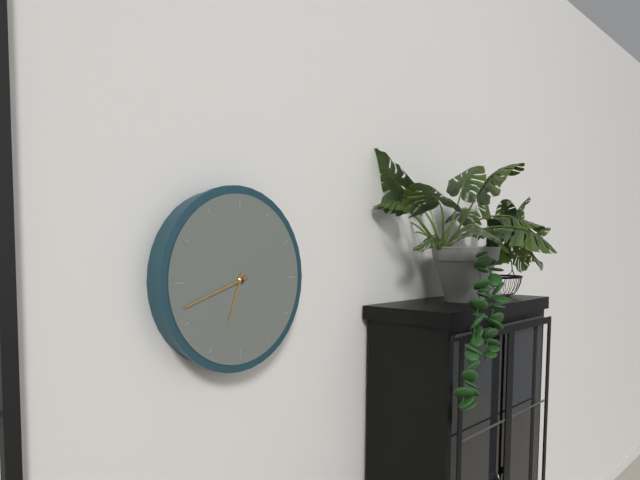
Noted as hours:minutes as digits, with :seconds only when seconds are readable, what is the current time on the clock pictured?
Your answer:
6:42
